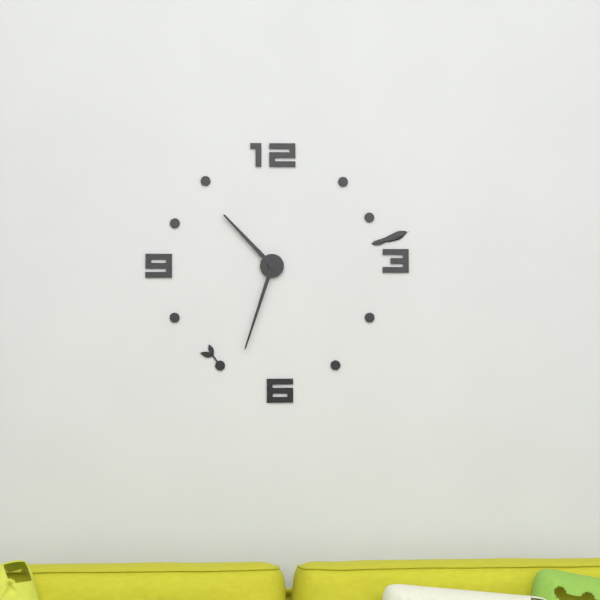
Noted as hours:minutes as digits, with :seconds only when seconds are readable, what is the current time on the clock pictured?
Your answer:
10:33
